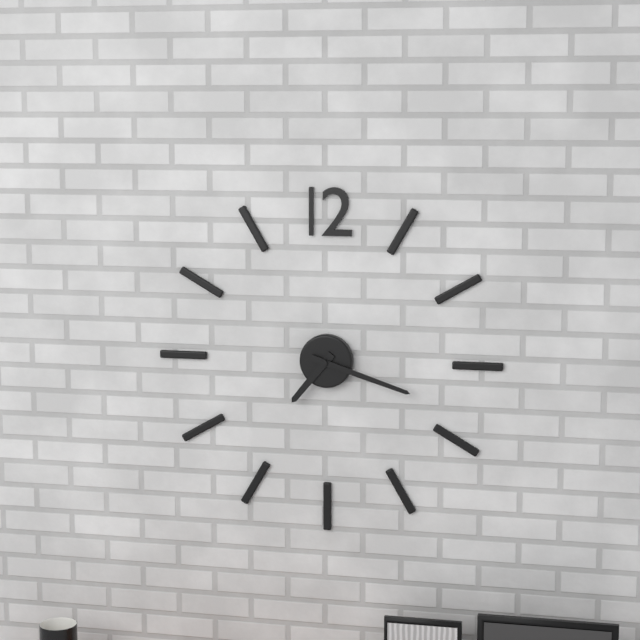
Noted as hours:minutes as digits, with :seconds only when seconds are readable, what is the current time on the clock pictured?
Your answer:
7:18
